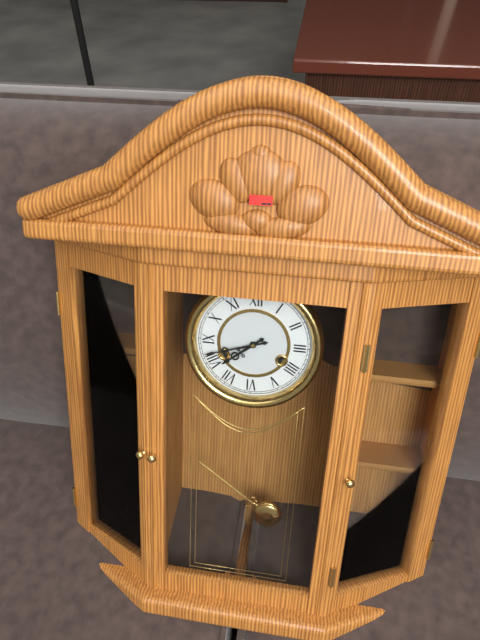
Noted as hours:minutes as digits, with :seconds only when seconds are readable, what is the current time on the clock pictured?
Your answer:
7:42
